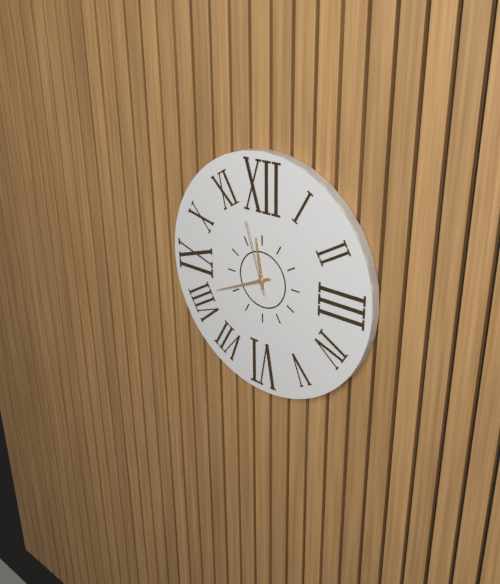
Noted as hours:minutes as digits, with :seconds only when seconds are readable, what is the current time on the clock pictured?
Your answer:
11:41:57
